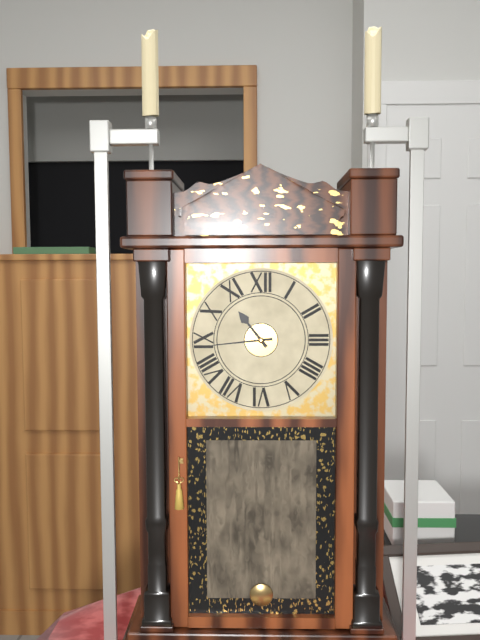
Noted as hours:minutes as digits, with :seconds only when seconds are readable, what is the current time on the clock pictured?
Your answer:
10:44
